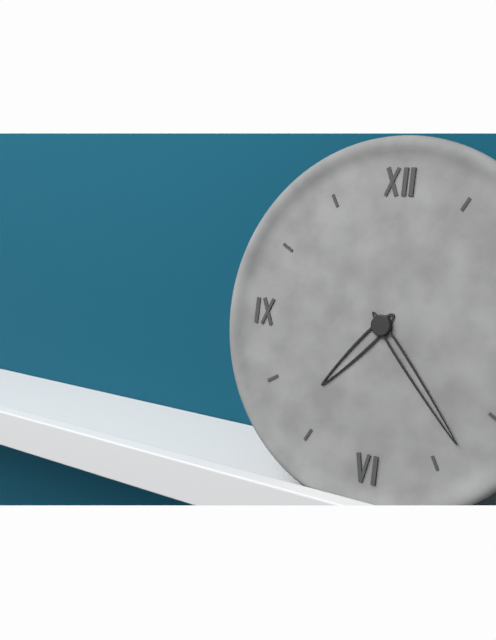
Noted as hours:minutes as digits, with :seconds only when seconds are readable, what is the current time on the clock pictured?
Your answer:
7:23
